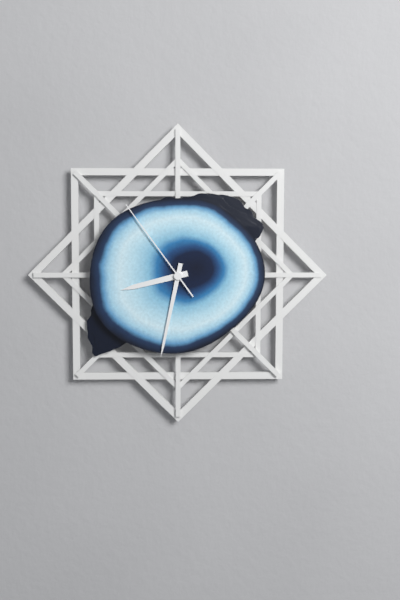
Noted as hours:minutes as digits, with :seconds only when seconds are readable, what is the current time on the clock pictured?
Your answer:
8:32:54
